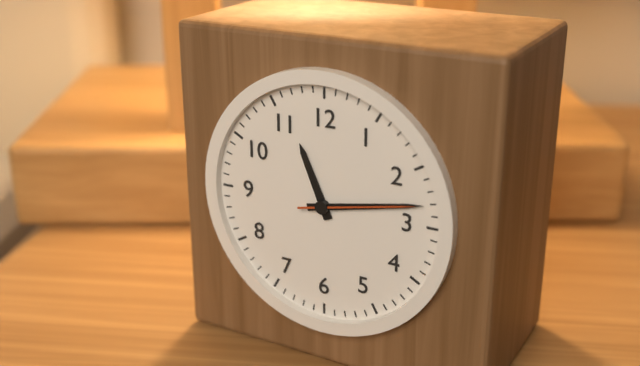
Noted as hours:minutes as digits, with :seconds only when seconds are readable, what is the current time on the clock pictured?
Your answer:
11:13:13
